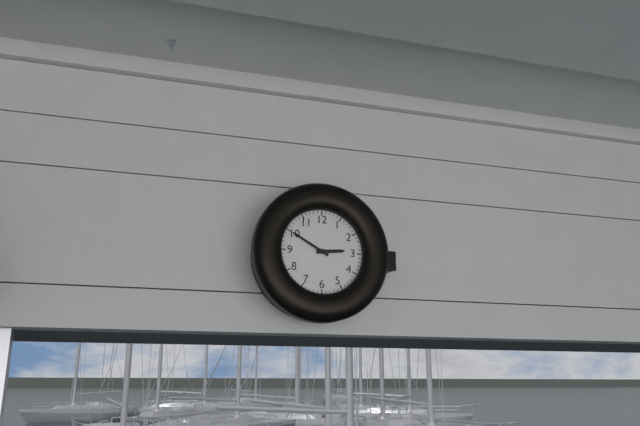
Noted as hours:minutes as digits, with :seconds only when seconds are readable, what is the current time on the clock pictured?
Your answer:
2:50
